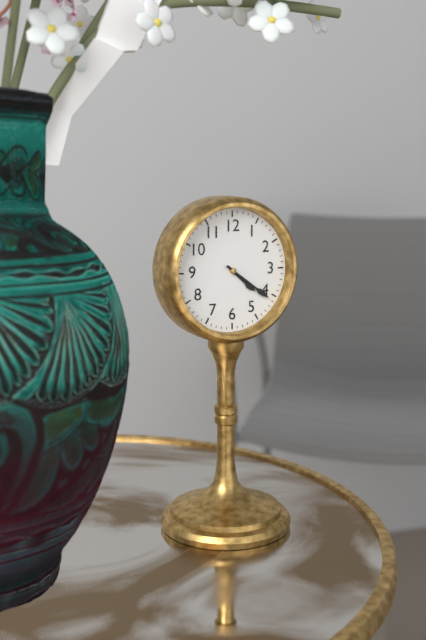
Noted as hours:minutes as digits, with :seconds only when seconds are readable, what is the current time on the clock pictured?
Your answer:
4:21
